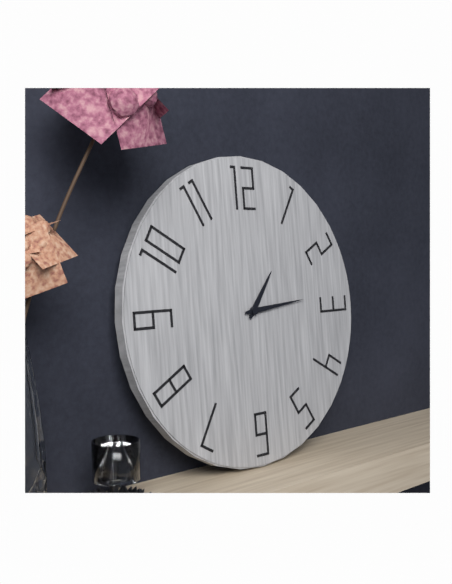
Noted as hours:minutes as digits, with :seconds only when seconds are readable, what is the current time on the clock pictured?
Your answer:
1:14
